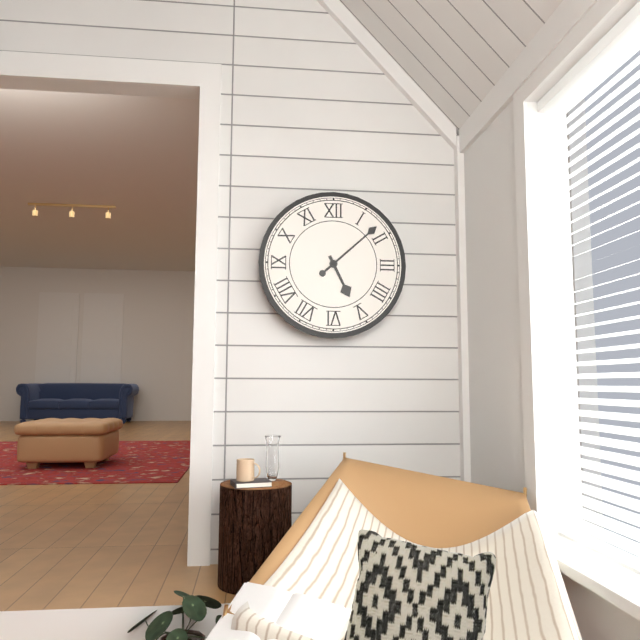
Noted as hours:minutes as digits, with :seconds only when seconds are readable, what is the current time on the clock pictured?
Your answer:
5:08
